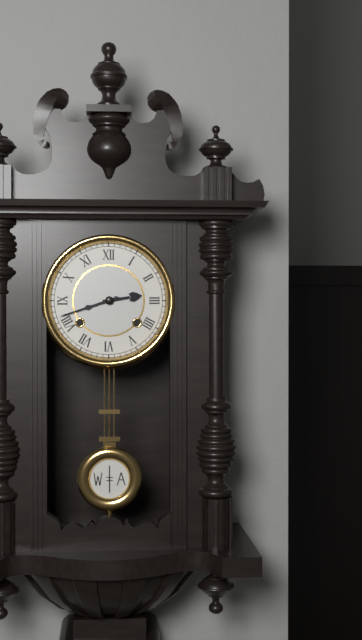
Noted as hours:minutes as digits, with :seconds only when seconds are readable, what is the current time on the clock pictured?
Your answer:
2:42
